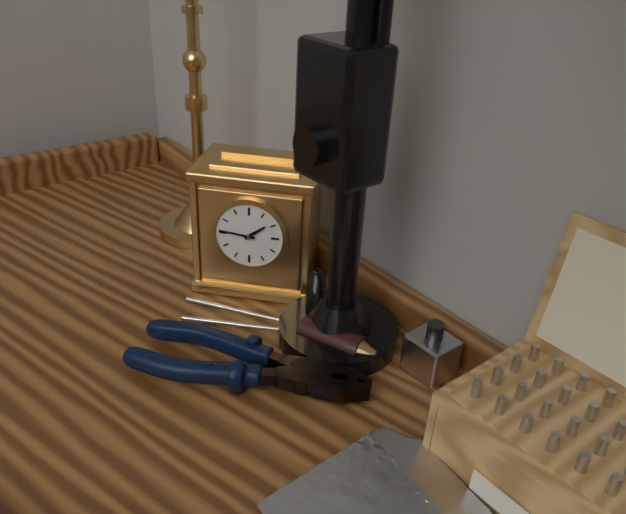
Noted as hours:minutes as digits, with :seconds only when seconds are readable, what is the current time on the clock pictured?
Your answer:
1:46
